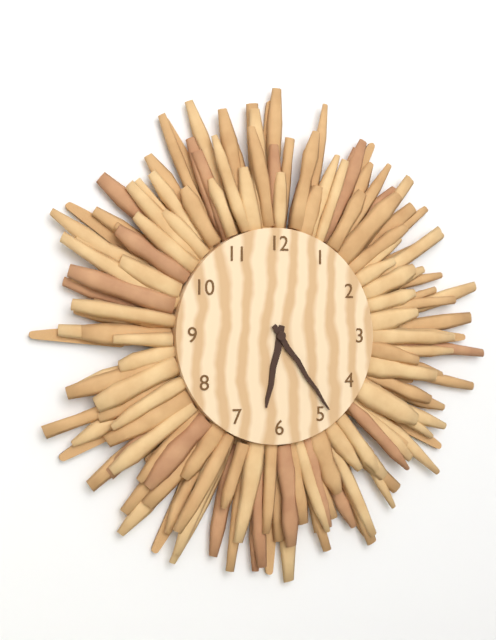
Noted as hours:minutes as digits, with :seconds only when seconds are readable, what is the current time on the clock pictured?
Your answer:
6:24
